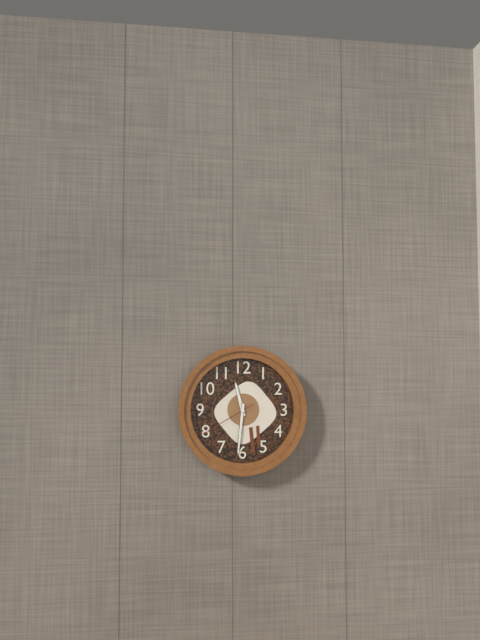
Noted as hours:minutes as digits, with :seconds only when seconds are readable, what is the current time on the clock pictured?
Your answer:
11:31:40
